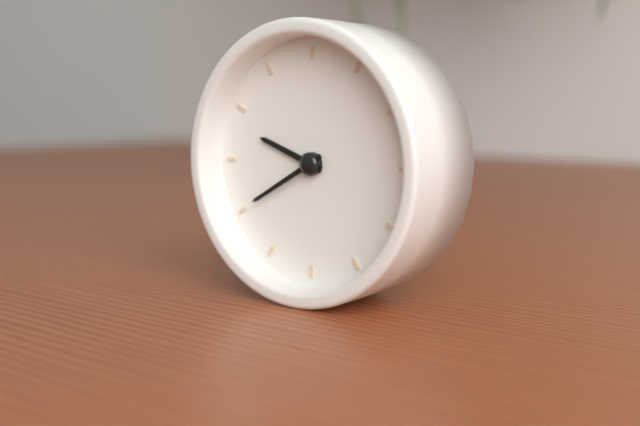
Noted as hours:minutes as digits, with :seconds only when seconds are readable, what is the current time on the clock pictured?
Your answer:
9:40
